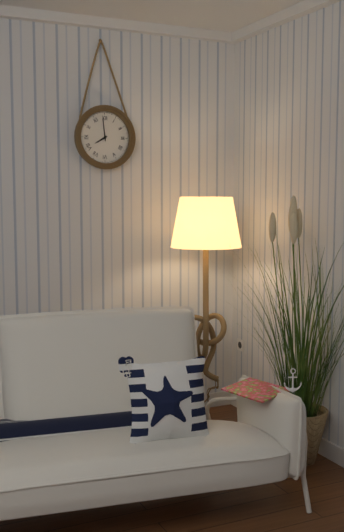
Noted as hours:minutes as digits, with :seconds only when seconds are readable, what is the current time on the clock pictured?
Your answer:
7:59
